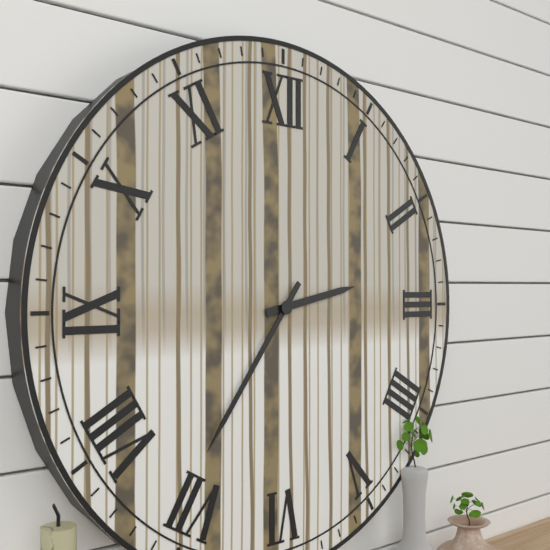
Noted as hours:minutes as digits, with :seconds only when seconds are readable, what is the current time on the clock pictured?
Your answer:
2:36
